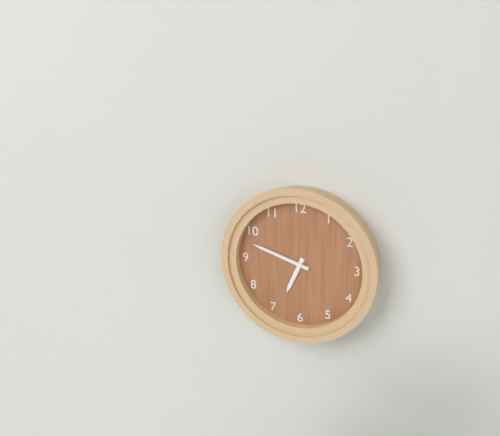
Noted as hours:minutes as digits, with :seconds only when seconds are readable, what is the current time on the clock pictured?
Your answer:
6:48
